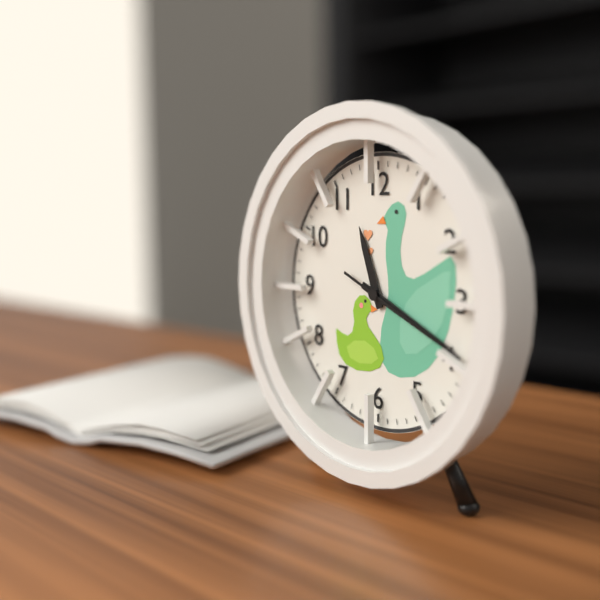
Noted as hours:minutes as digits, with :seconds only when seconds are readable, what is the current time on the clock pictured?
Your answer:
11:19:19
